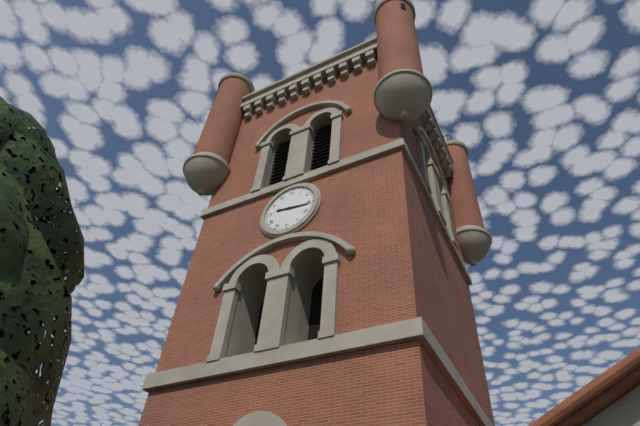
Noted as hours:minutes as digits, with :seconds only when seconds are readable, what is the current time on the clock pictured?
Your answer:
9:16
